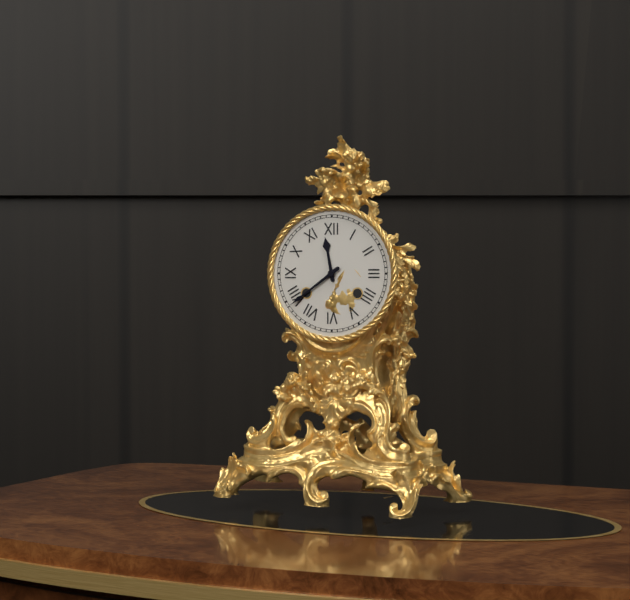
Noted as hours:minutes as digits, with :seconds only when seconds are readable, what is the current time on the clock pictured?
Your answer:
11:39
